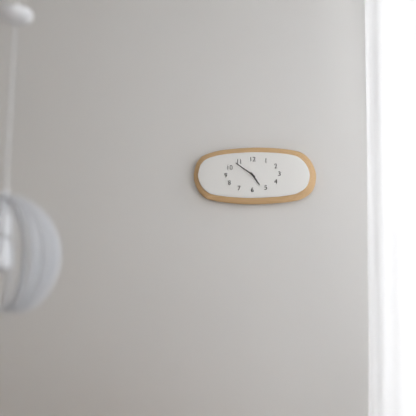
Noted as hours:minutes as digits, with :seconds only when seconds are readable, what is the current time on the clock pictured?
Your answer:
4:51
